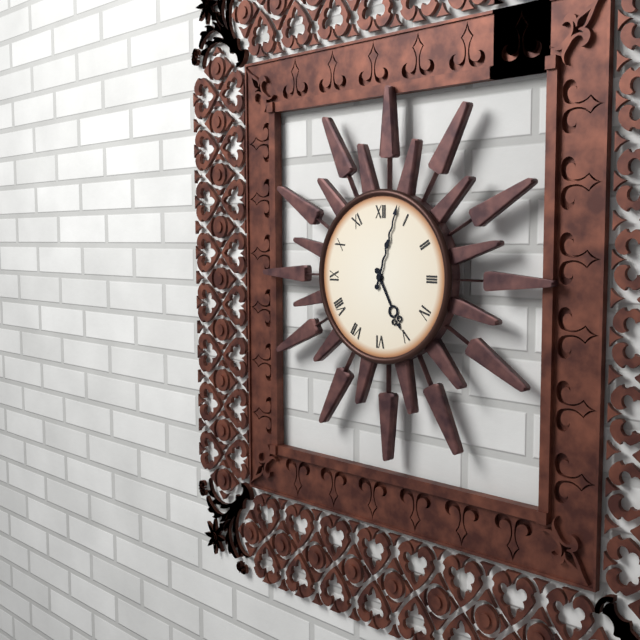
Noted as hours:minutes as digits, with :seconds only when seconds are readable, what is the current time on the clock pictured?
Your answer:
5:03
